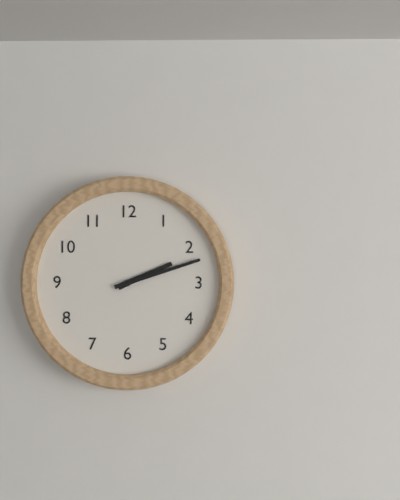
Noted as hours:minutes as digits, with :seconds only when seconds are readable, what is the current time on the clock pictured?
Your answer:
2:12
